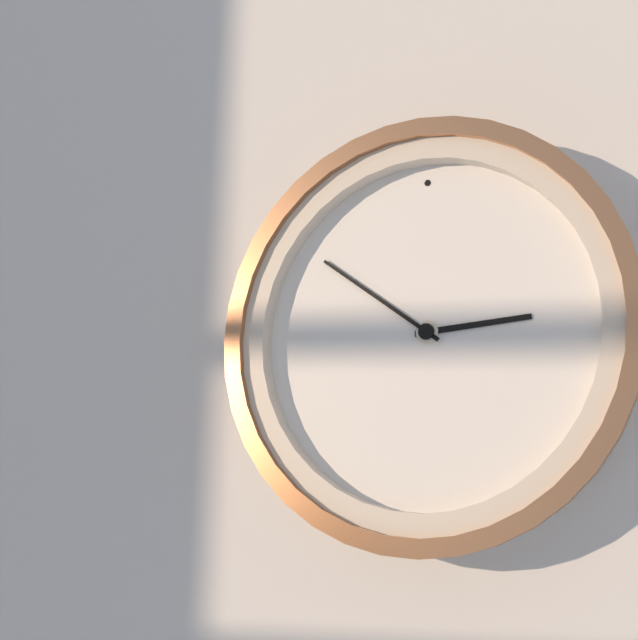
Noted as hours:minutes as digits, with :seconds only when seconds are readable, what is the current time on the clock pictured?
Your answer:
2:51
